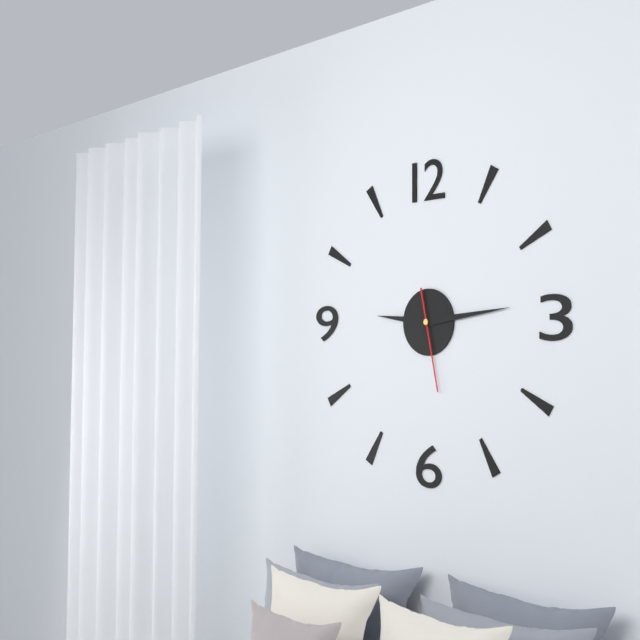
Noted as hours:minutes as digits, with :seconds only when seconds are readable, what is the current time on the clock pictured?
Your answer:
9:14:28
